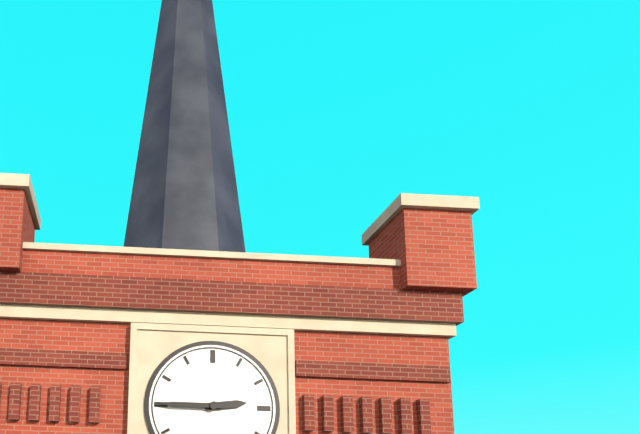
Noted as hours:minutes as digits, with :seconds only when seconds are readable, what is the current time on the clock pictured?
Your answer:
2:45
